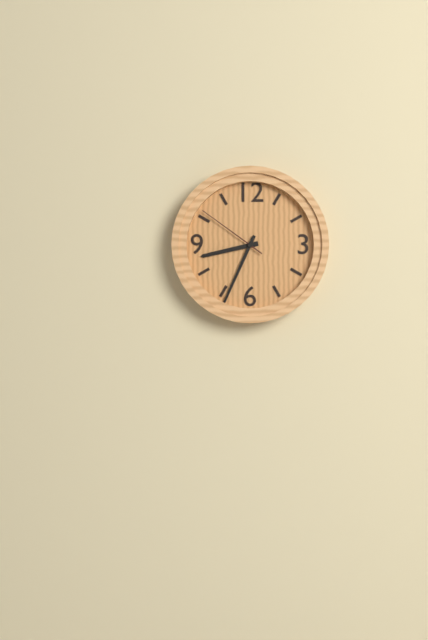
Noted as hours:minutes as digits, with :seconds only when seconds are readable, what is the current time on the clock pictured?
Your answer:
8:34:51
